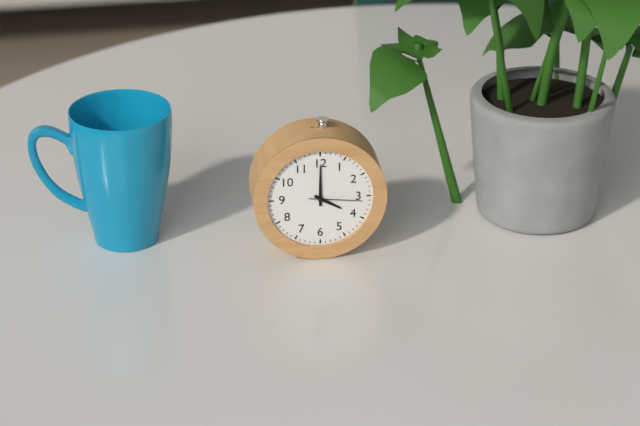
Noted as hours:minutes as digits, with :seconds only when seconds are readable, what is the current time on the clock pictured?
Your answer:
4:00:16
